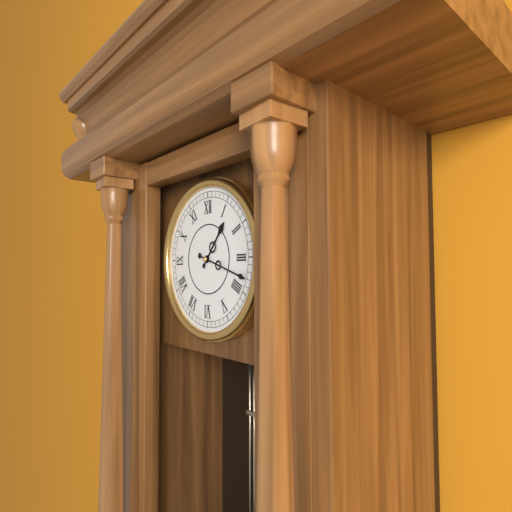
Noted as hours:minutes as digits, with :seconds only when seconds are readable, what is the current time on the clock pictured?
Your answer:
1:18
